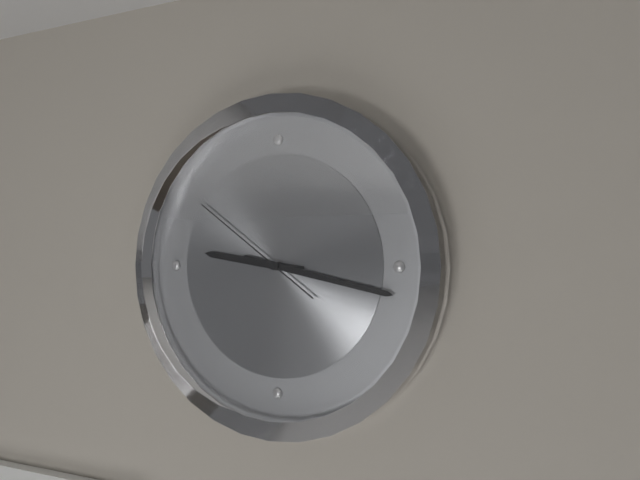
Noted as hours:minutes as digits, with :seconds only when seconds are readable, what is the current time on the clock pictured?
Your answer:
9:17:51
